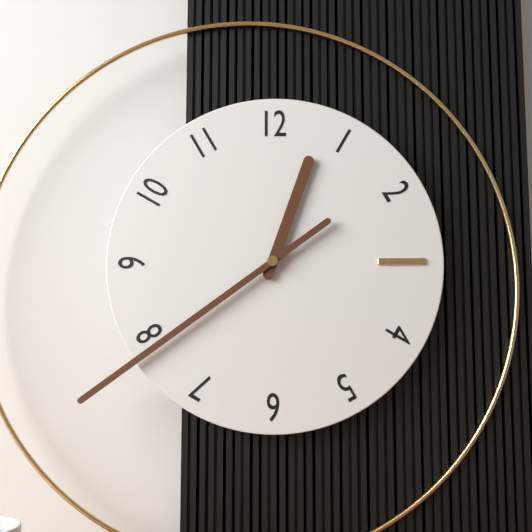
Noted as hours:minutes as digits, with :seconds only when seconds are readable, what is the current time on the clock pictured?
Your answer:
12:39
